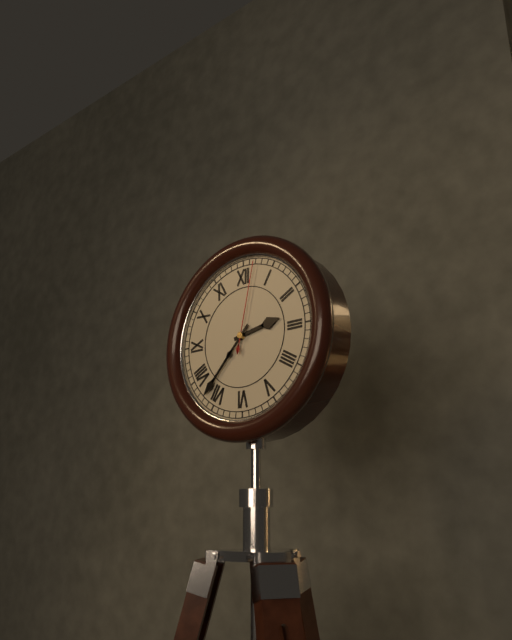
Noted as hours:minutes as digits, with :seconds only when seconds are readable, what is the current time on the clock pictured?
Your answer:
2:37:02
